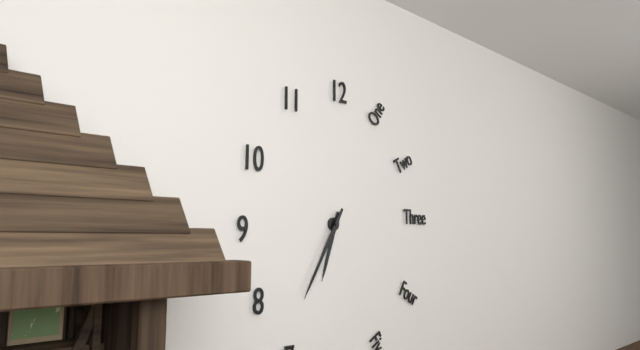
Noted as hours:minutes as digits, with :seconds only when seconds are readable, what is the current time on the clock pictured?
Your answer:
6:35
